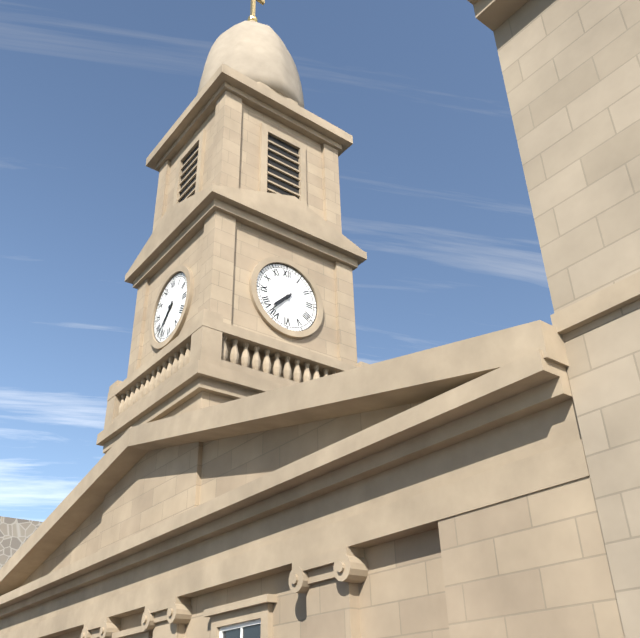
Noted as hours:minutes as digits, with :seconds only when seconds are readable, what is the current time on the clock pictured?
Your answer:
7:37
